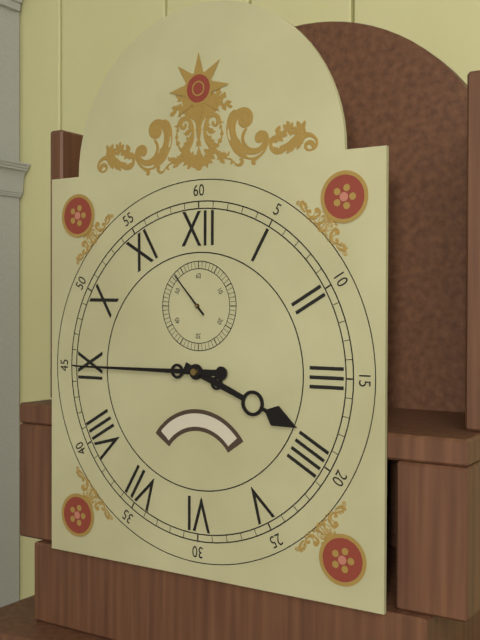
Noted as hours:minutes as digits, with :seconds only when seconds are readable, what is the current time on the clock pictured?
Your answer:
3:45
